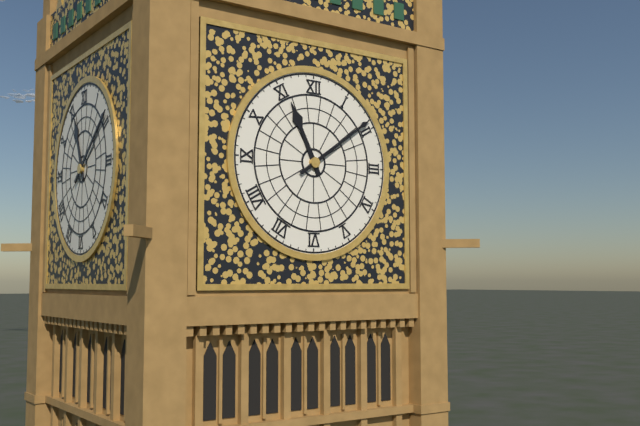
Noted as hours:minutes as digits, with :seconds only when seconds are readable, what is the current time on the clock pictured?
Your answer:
11:09
